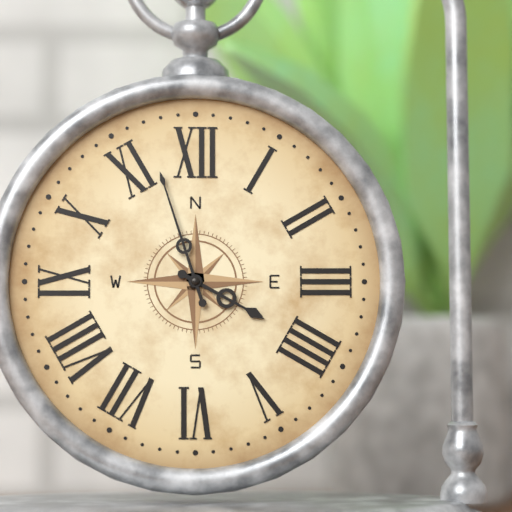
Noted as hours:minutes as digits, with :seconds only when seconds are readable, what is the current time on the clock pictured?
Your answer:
3:57
